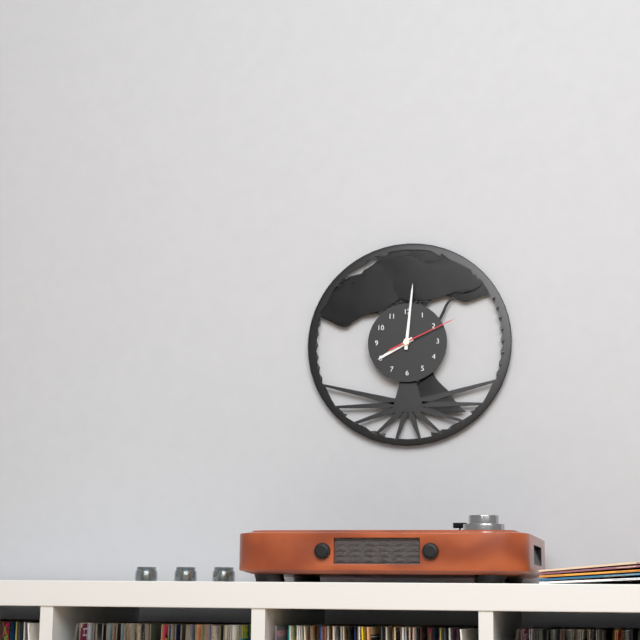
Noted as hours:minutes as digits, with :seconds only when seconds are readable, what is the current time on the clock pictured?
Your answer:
8:01:11
